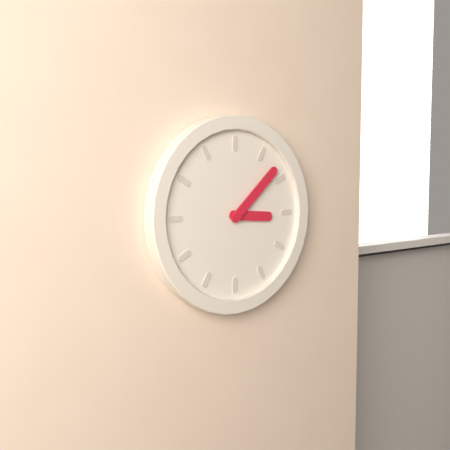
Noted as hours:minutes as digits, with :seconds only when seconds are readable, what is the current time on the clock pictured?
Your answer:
3:08
